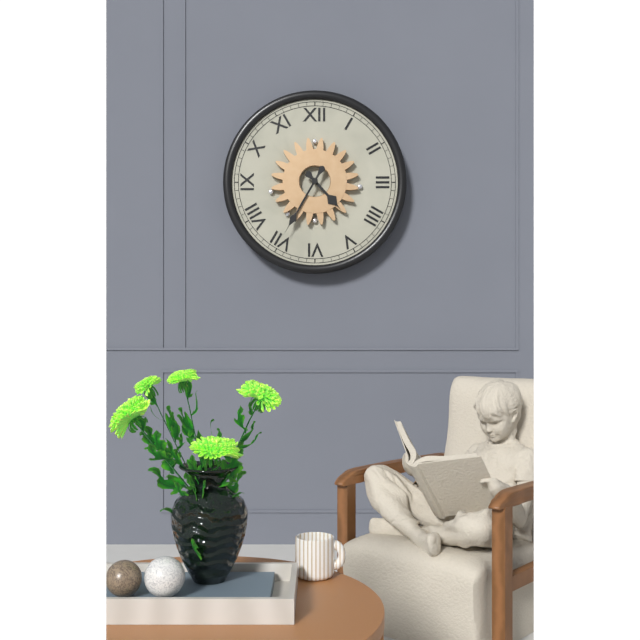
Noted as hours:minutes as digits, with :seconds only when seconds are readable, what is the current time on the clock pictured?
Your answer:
4:35
